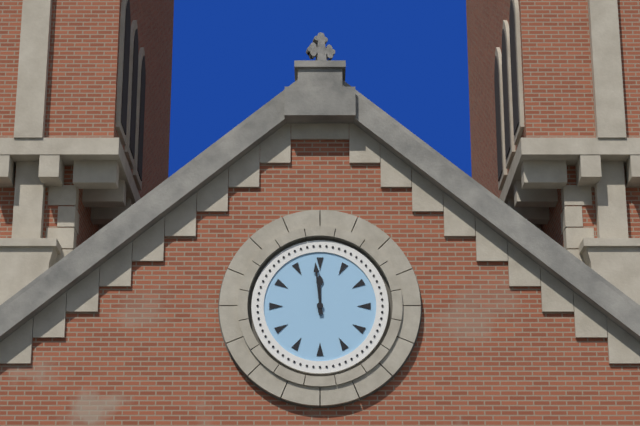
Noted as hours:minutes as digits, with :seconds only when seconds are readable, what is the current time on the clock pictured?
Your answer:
11:59
